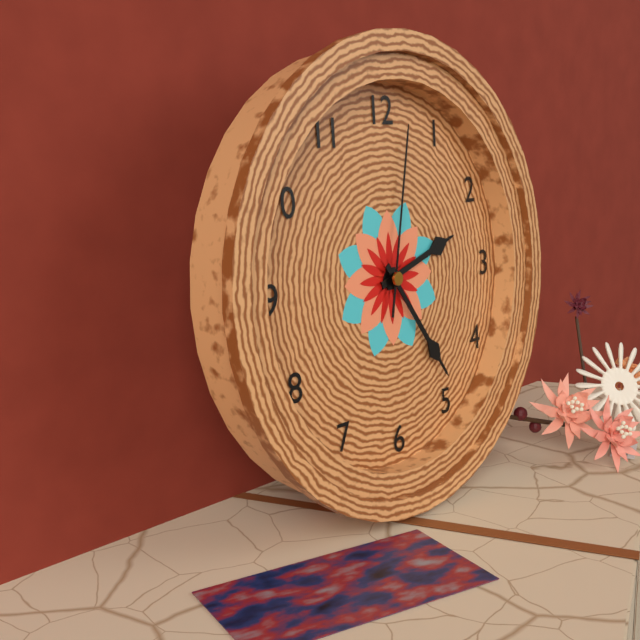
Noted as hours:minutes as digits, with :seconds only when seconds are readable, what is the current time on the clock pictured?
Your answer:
2:24:02
